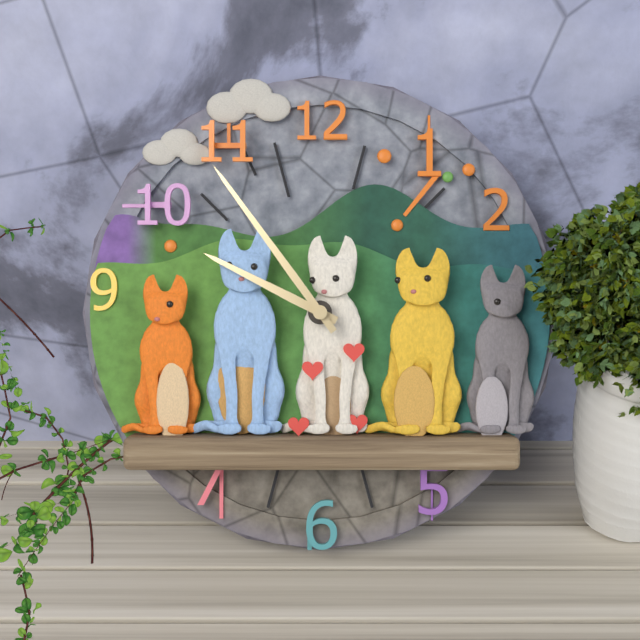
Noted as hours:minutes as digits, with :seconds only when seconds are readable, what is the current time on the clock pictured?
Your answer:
9:54
